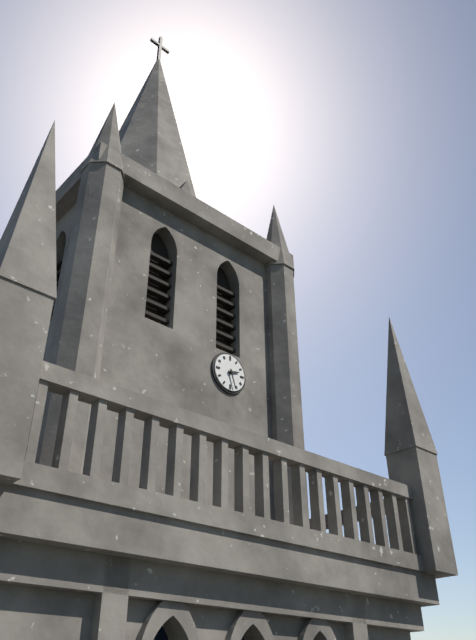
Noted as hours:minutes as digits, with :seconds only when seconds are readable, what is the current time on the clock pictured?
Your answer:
2:27
